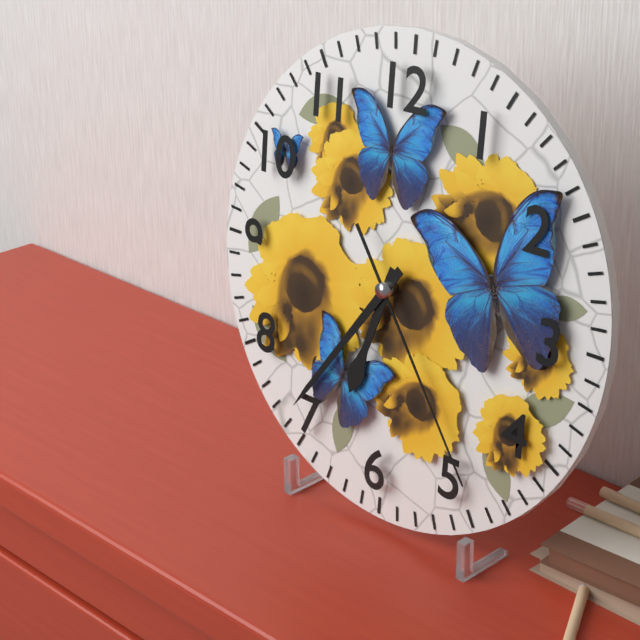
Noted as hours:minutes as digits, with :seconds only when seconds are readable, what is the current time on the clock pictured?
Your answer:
6:36:24
